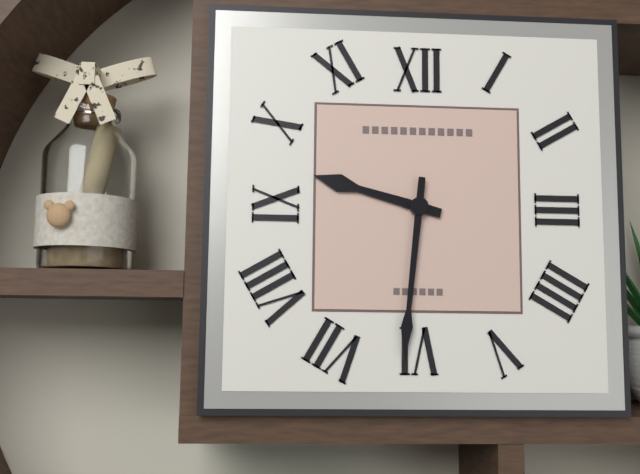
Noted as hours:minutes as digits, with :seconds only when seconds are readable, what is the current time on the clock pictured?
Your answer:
9:31
